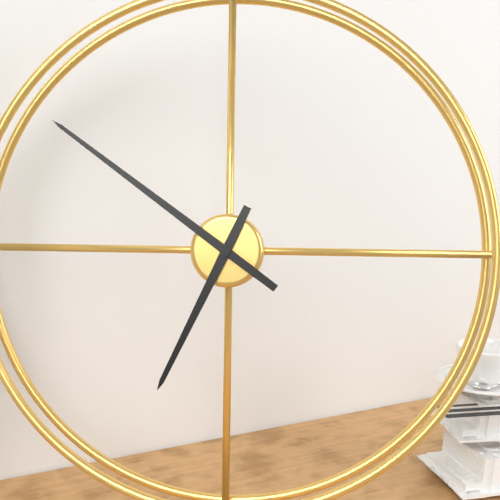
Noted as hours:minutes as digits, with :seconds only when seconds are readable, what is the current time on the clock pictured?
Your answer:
6:51
